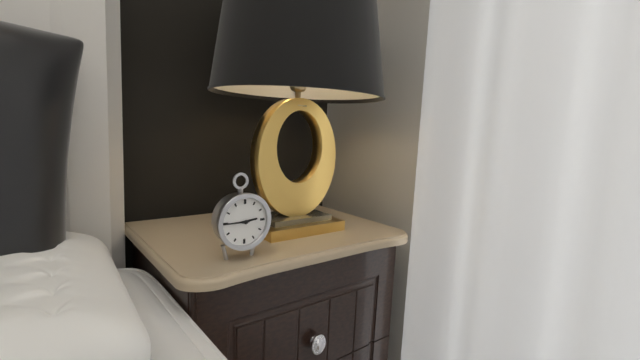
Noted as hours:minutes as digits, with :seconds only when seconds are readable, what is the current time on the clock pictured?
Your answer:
2:45
